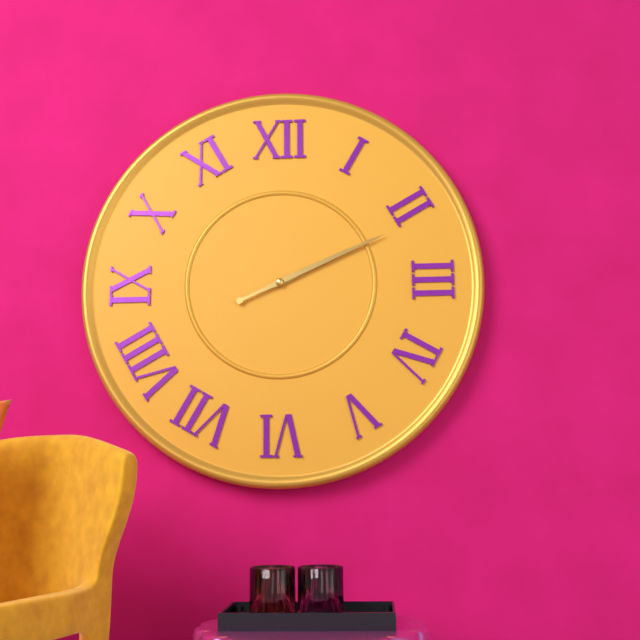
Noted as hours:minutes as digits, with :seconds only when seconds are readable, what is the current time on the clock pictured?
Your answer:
2:11
